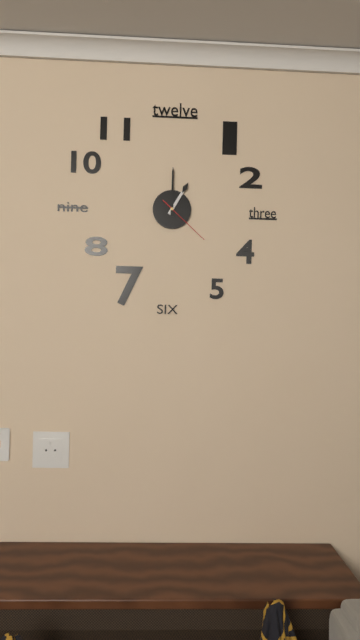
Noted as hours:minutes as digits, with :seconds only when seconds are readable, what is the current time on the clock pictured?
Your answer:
1:00:22
